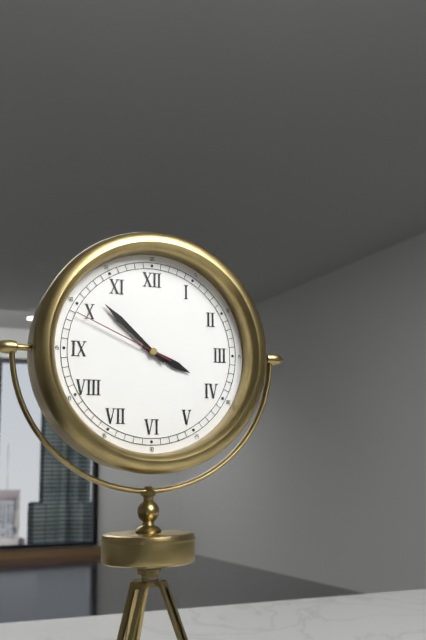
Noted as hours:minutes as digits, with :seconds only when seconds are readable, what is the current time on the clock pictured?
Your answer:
3:52:49
